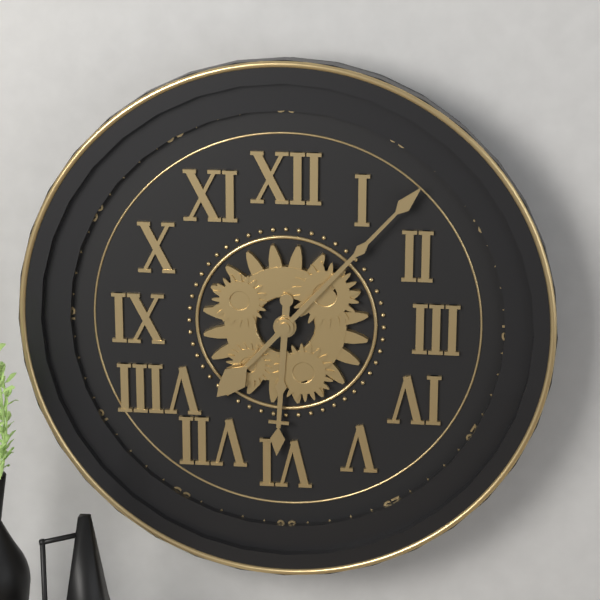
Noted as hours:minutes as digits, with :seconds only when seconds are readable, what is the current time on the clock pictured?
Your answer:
6:07
